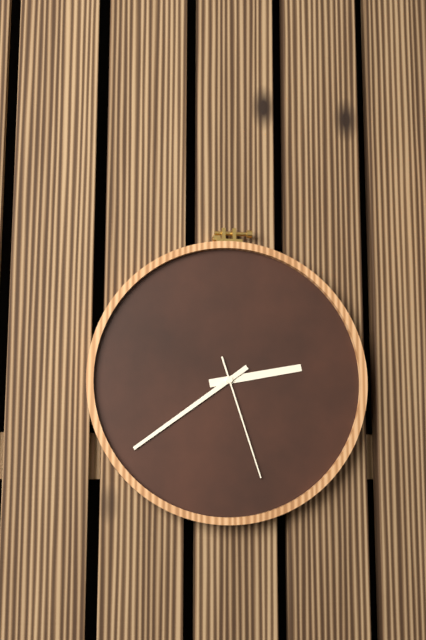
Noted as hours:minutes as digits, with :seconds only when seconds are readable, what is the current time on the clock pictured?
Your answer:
2:39:27
